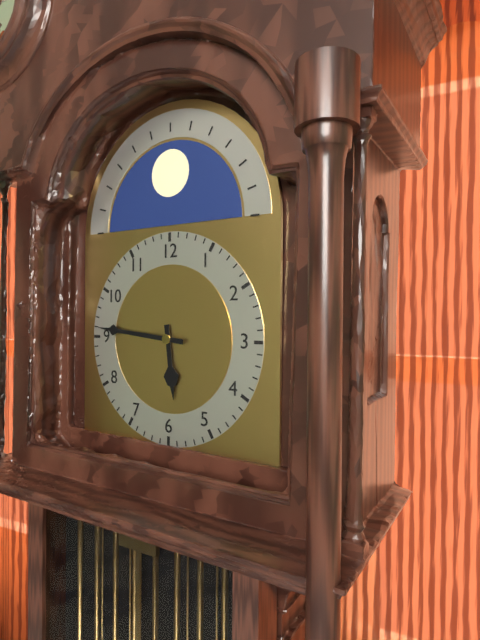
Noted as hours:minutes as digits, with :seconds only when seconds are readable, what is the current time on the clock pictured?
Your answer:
5:46
